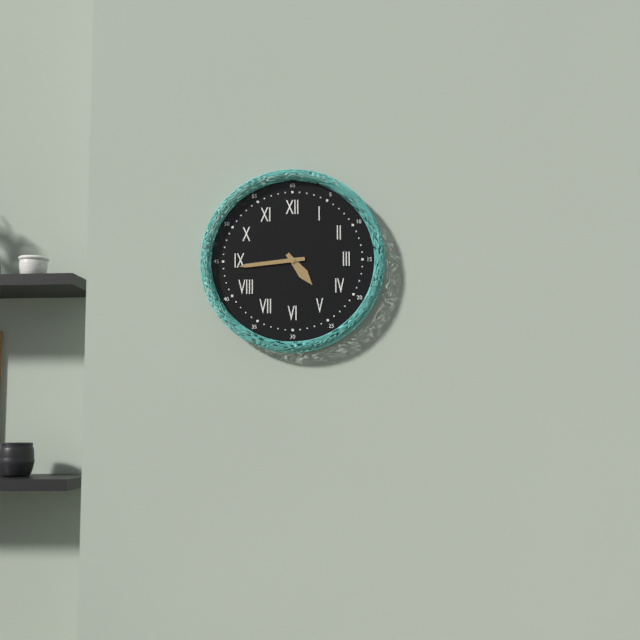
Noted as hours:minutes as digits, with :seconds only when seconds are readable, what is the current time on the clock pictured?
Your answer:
4:44
